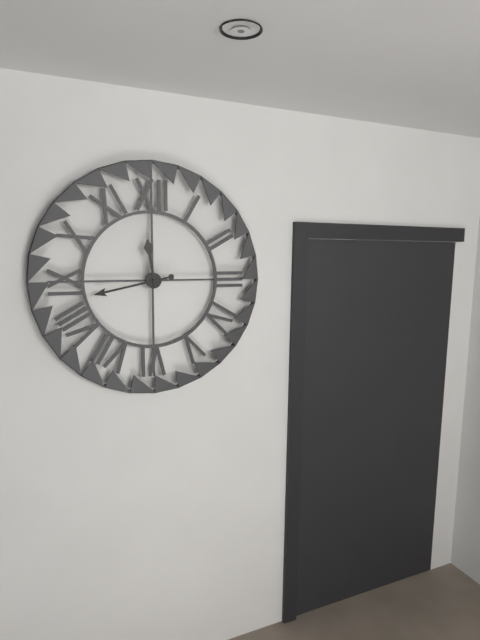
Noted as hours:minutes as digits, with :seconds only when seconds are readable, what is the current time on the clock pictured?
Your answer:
11:43
